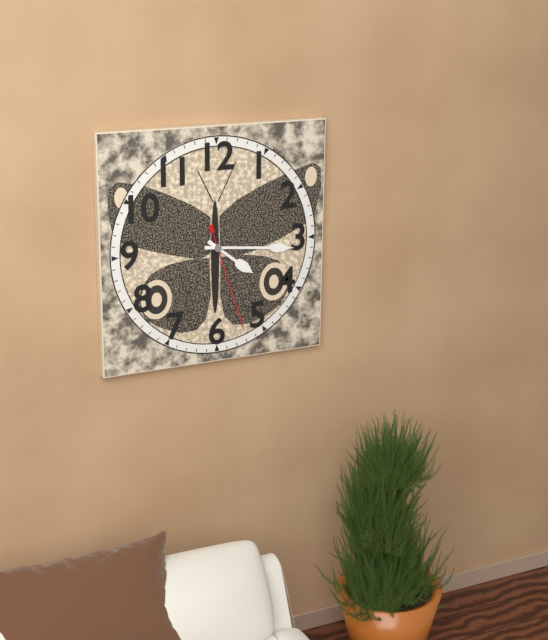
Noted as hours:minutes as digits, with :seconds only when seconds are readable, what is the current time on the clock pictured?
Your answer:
4:16:27
